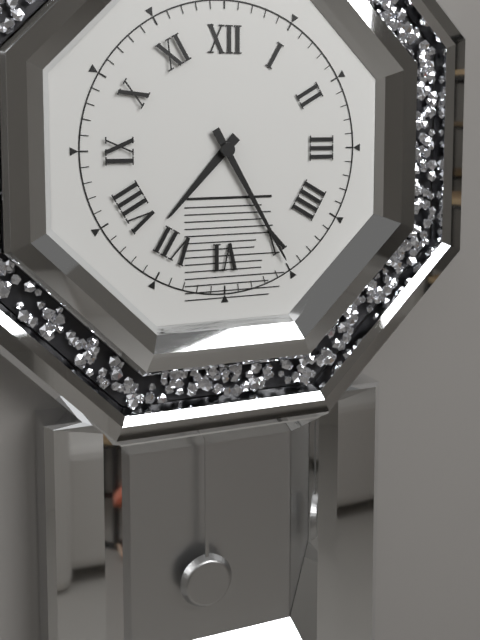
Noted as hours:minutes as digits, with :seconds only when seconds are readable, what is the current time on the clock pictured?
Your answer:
7:25
